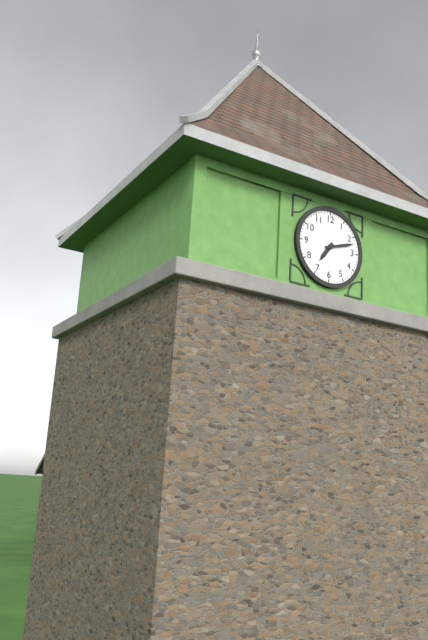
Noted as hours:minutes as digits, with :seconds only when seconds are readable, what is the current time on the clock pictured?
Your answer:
7:12
